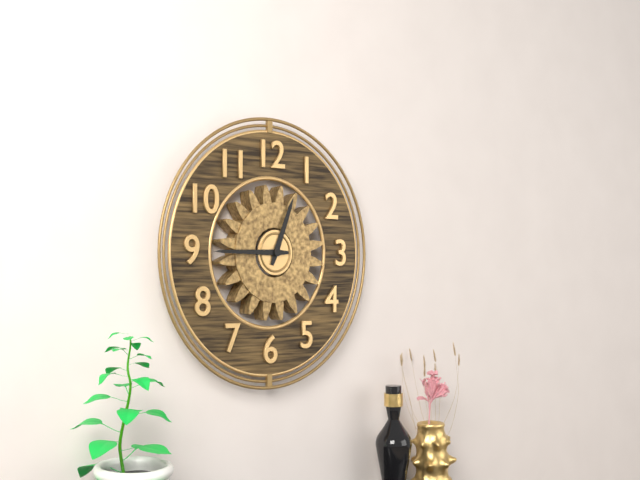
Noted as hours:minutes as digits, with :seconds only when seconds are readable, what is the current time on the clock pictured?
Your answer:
12:45
